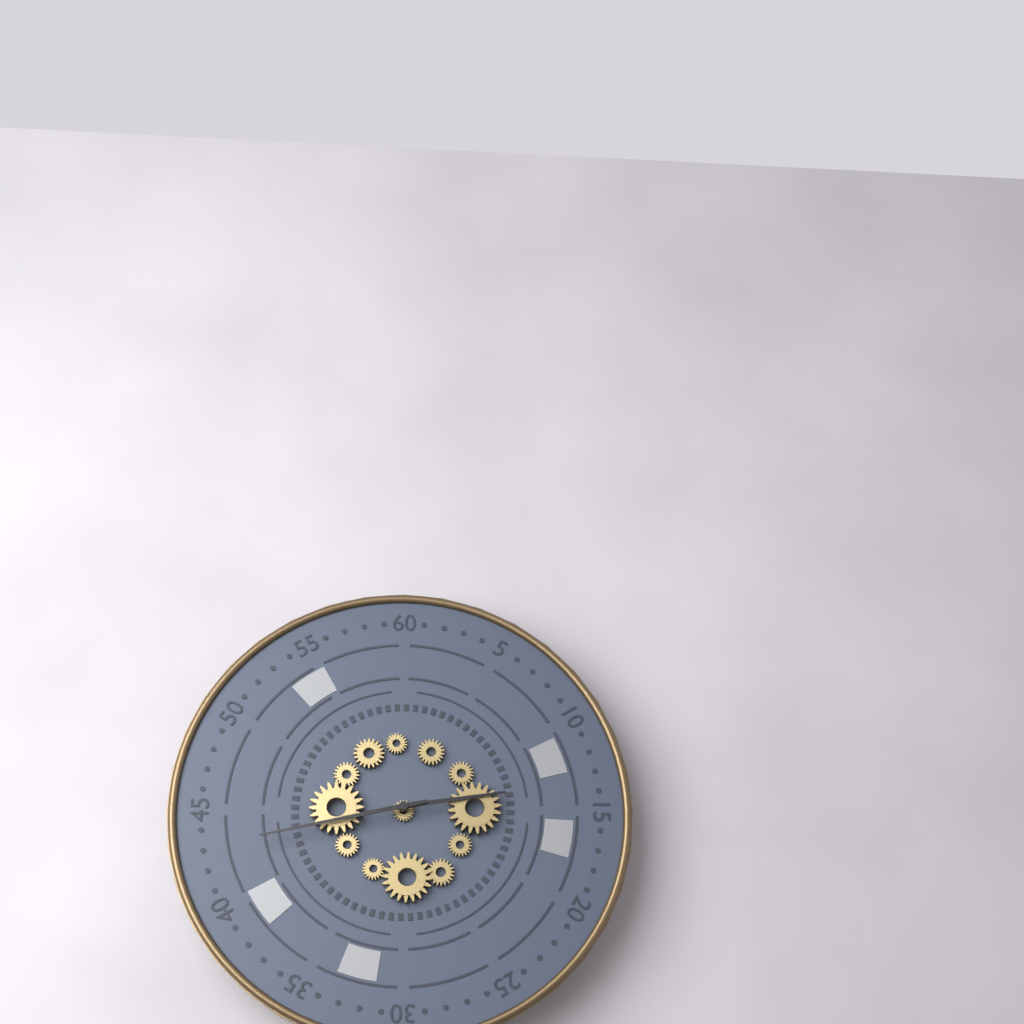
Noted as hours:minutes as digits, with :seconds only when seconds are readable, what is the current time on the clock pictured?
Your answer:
2:43
